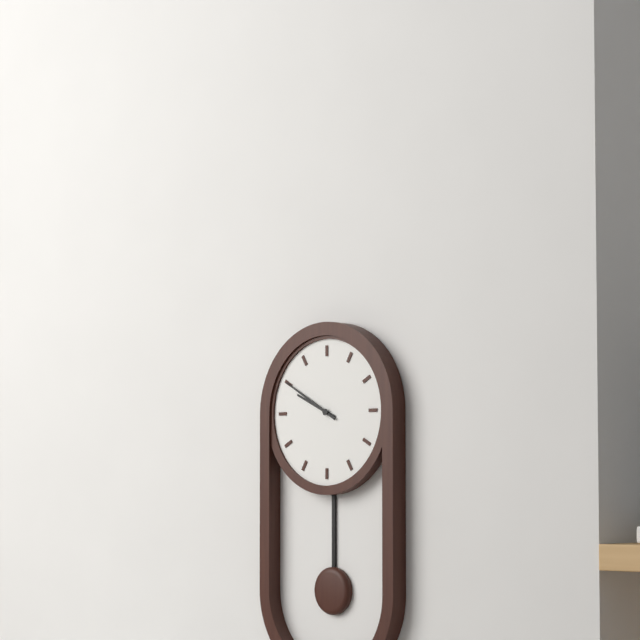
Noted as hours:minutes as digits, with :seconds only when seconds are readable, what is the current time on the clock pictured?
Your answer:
9:50
